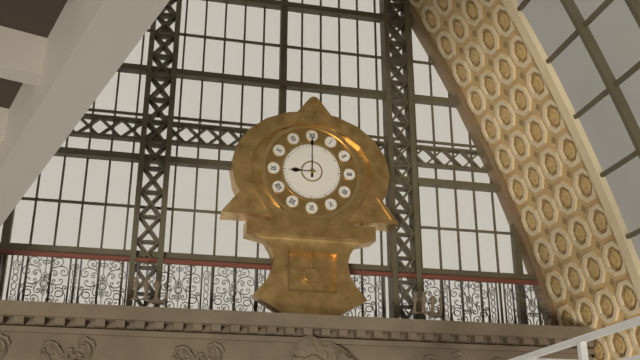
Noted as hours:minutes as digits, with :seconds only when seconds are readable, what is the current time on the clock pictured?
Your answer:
9:00
